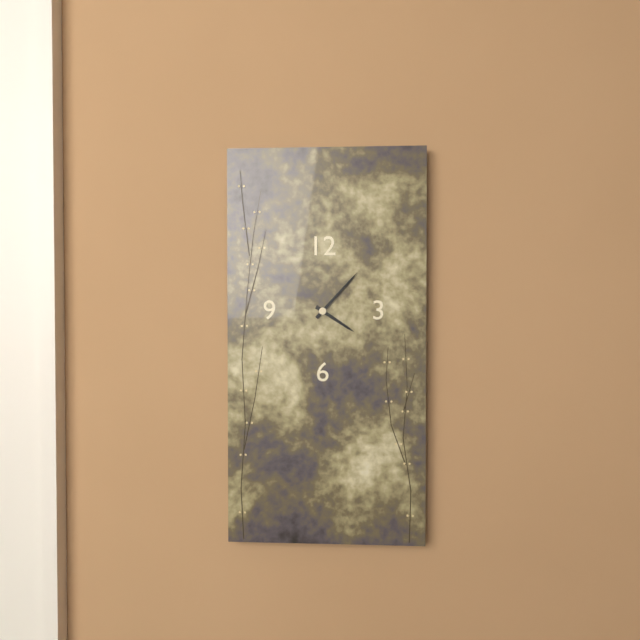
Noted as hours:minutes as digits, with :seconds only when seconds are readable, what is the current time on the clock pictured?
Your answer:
4:07
